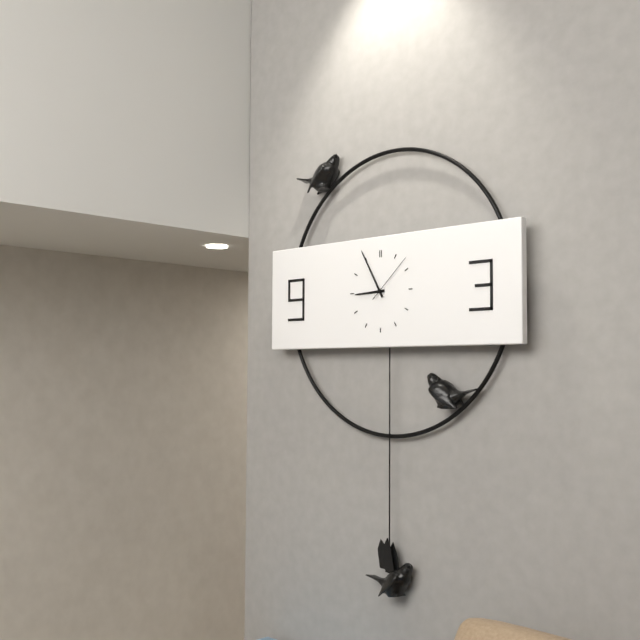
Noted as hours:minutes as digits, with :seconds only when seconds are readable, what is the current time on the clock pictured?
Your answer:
8:55:08
